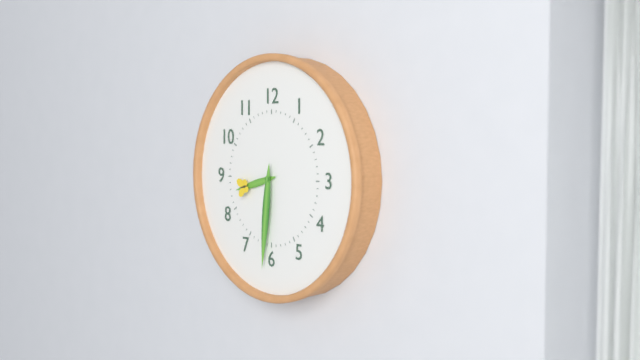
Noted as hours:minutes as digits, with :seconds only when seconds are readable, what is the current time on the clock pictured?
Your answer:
8:31
